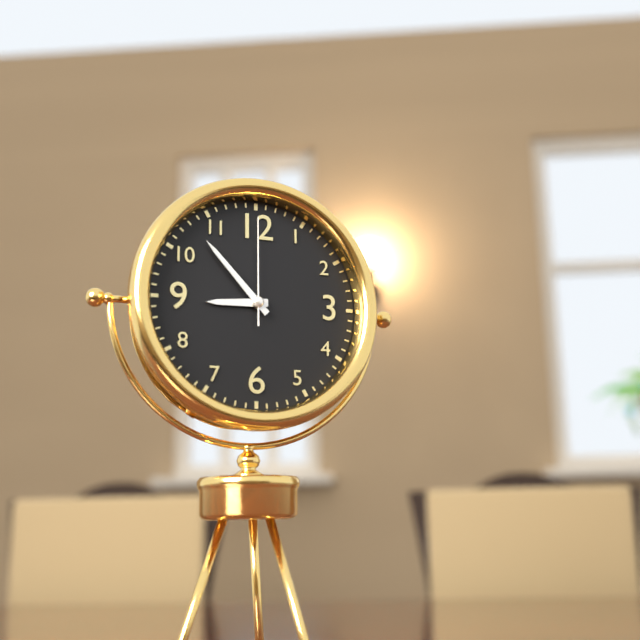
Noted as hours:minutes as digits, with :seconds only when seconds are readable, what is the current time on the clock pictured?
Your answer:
8:53:00
